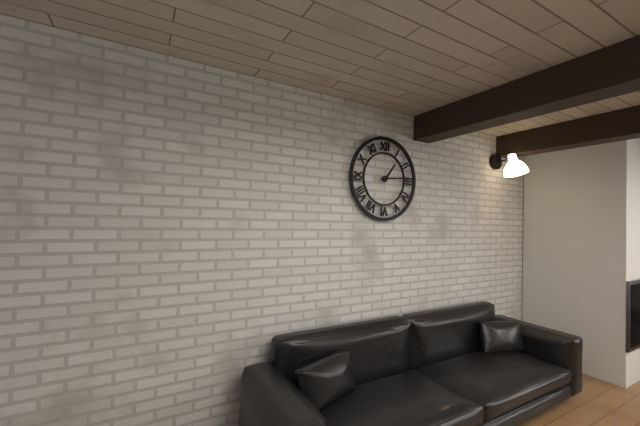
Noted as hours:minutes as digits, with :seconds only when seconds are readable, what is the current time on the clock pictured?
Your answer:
1:14
